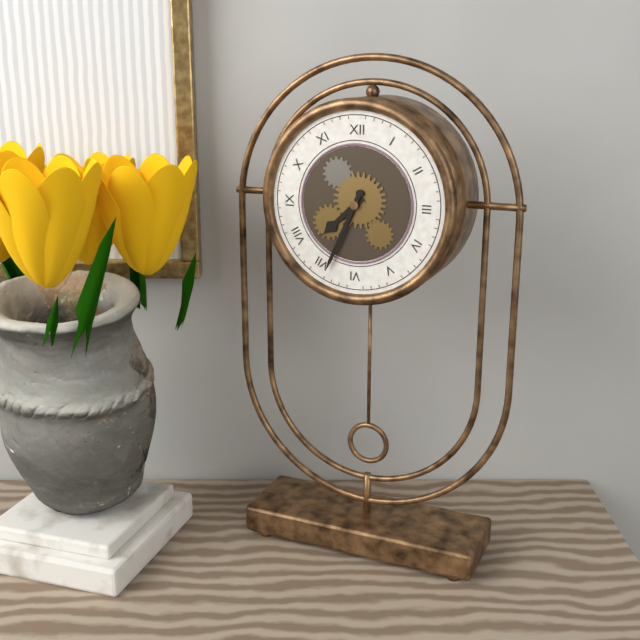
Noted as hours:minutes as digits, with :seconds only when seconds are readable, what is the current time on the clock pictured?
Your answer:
7:34
